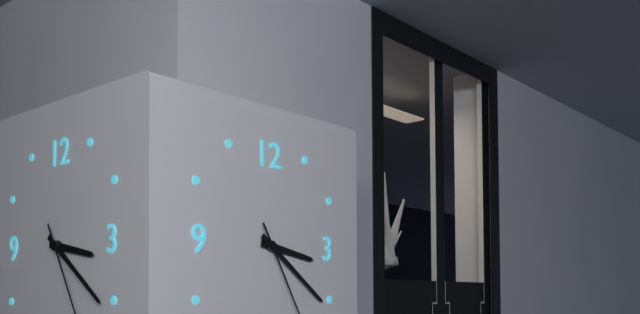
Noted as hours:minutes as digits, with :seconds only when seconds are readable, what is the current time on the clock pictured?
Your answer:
3:21
